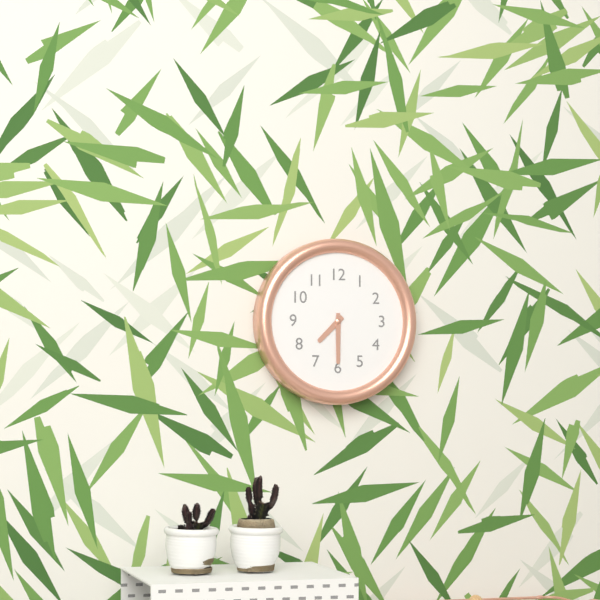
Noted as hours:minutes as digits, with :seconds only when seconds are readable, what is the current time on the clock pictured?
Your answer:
7:30
